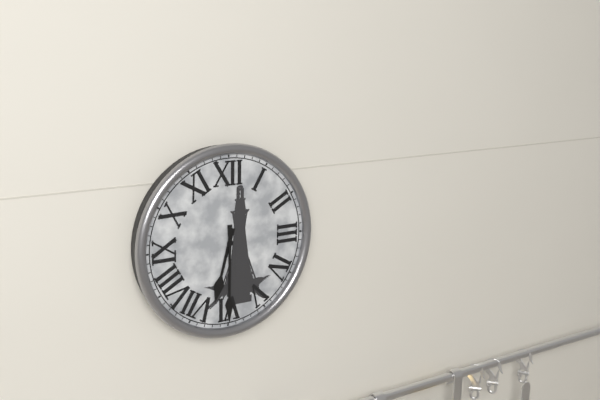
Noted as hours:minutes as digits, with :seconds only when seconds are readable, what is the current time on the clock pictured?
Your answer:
6:30
